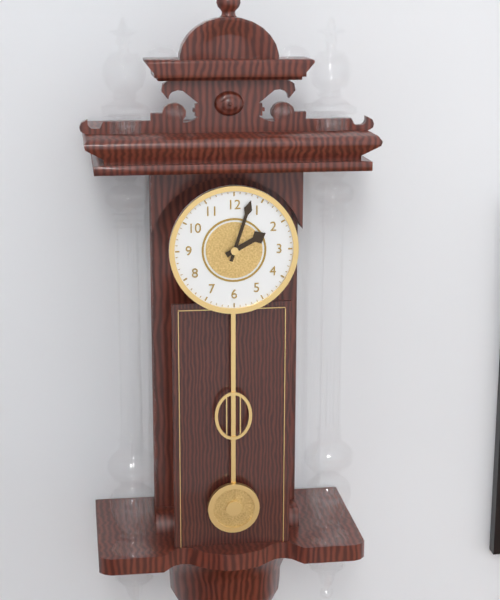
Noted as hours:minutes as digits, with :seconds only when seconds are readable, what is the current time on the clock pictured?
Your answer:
2:03
